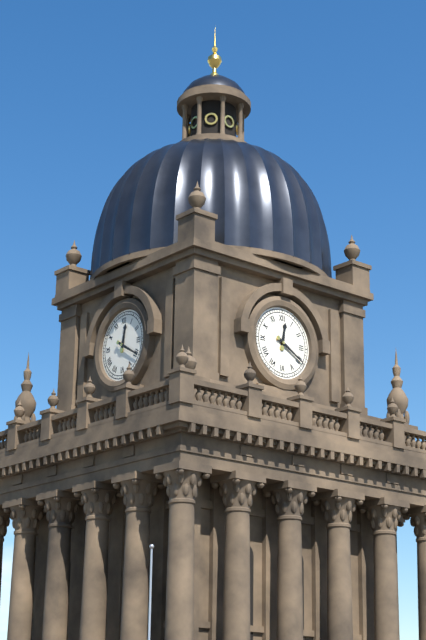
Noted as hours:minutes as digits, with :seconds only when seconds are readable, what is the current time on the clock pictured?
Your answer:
12:20
